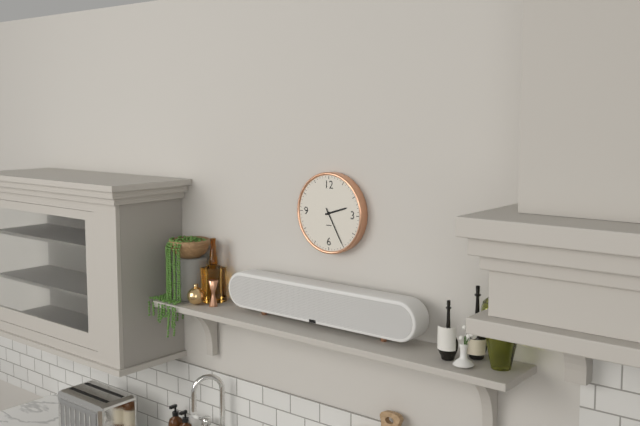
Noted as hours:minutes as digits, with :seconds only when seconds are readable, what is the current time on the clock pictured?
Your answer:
2:25
